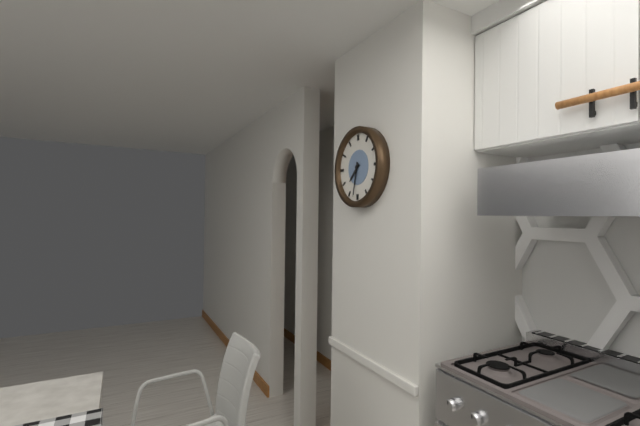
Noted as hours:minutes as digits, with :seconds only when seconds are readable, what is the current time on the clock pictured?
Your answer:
7:32
